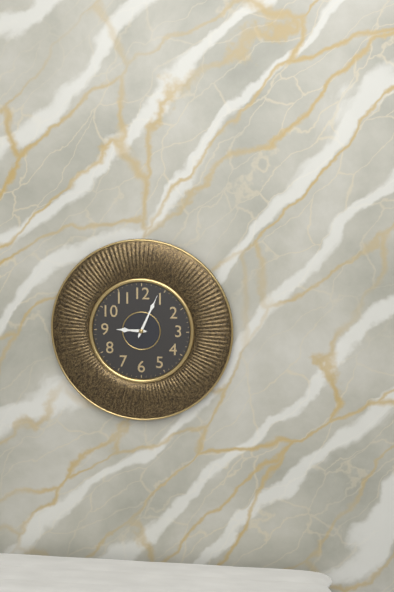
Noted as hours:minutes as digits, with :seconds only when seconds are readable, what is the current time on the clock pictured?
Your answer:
9:04
